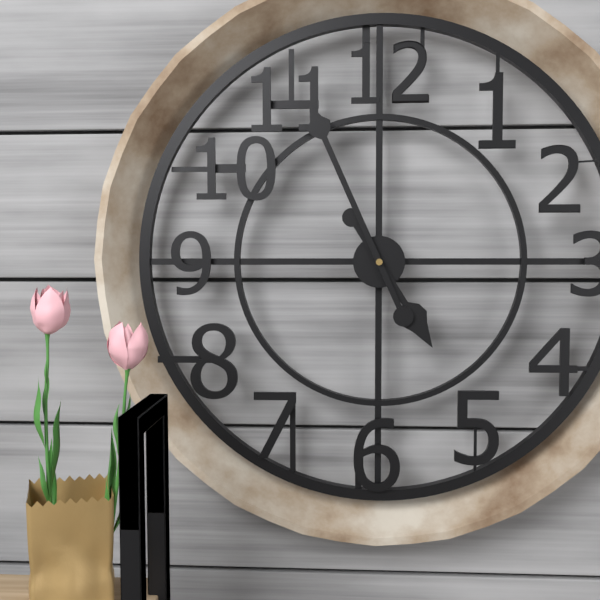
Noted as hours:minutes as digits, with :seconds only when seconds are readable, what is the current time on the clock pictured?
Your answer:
4:56
